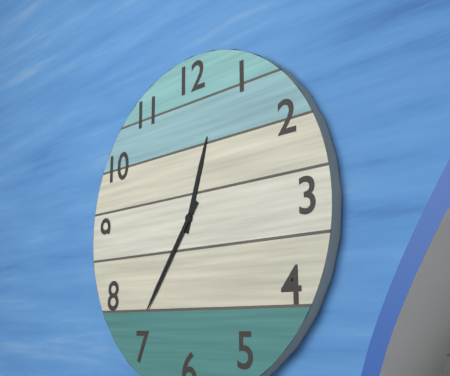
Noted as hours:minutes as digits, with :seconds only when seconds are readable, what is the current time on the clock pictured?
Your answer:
12:36
